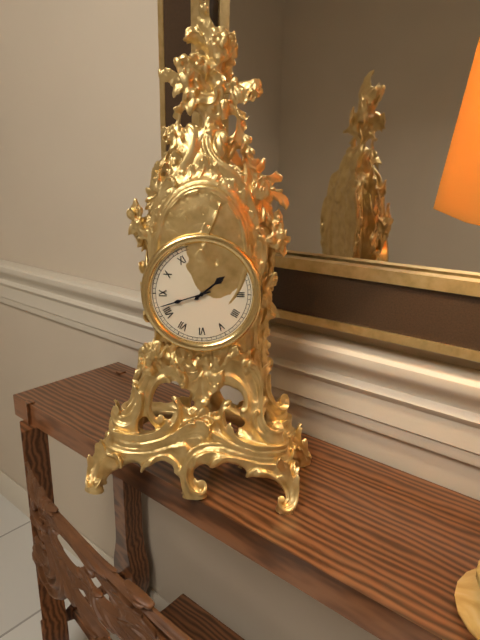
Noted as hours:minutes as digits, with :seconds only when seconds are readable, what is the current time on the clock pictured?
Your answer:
1:42
